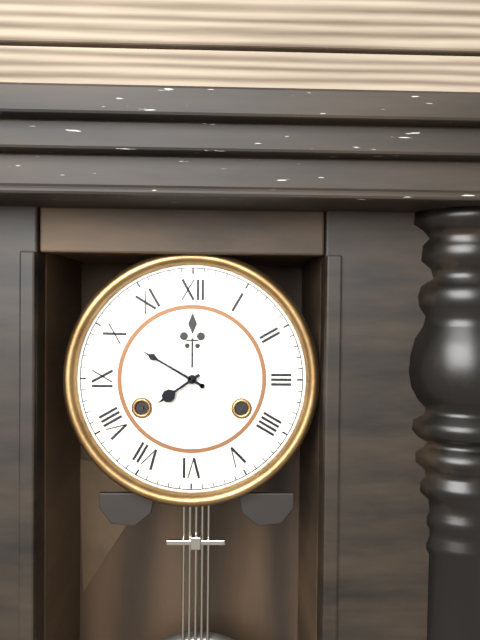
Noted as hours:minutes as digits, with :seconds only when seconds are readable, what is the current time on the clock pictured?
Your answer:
7:50
